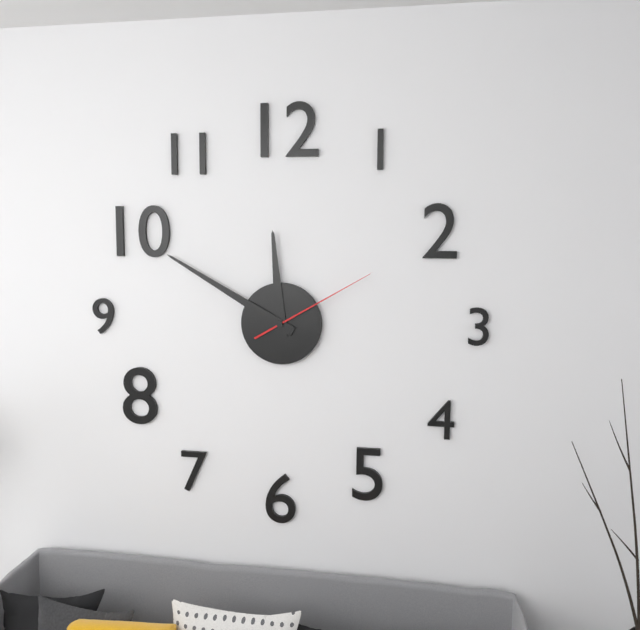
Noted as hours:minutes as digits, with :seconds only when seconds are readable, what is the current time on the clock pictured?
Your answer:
11:50:10
